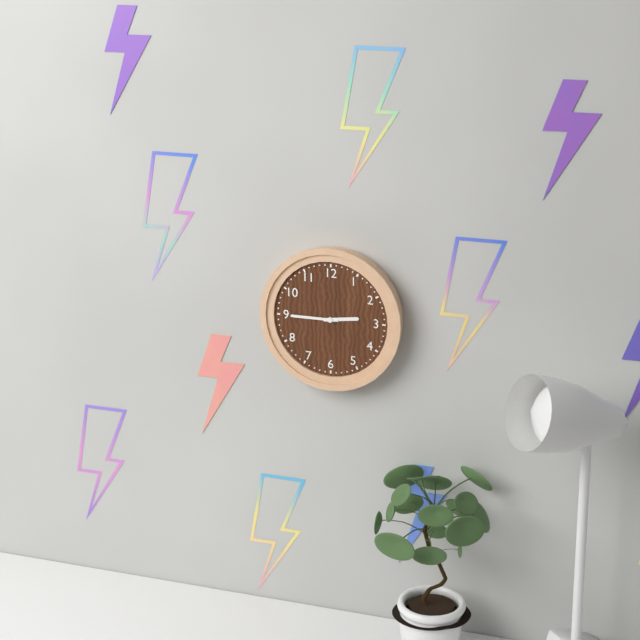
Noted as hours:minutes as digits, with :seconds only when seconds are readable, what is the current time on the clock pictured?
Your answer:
2:45
